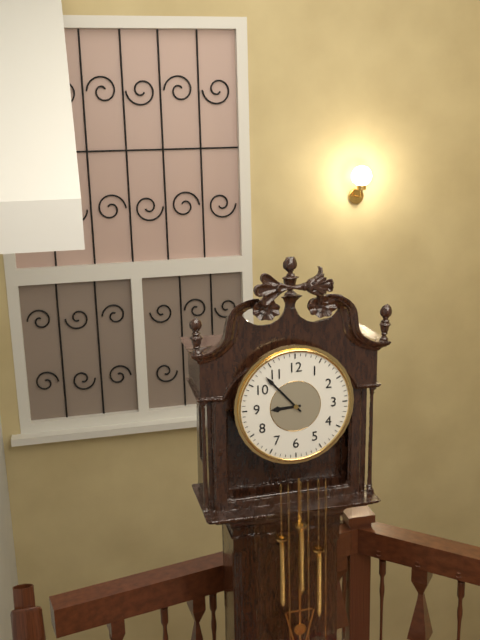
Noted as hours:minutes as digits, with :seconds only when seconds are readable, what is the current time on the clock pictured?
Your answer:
8:53
